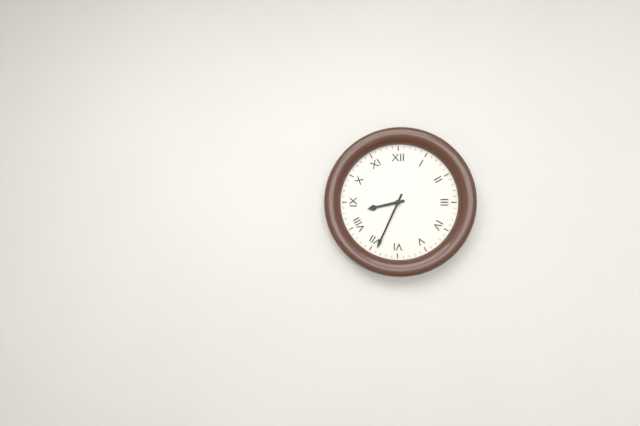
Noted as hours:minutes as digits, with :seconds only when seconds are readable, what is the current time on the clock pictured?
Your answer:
8:34
